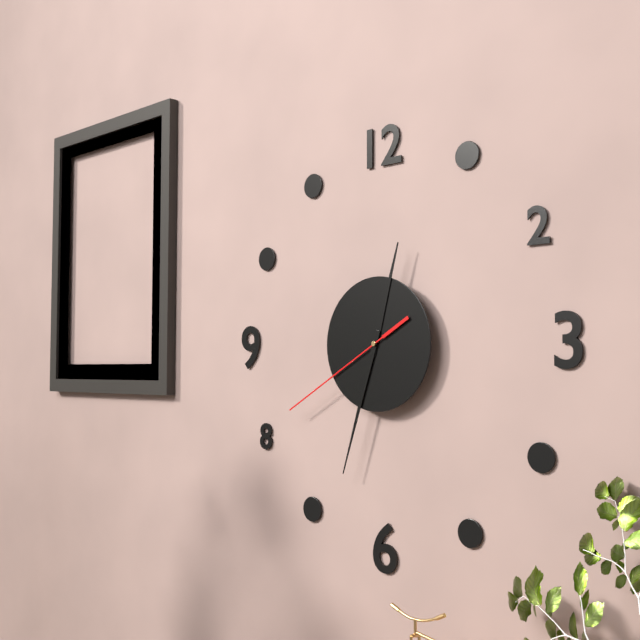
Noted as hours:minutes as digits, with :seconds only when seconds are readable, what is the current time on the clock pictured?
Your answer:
12:33:40
